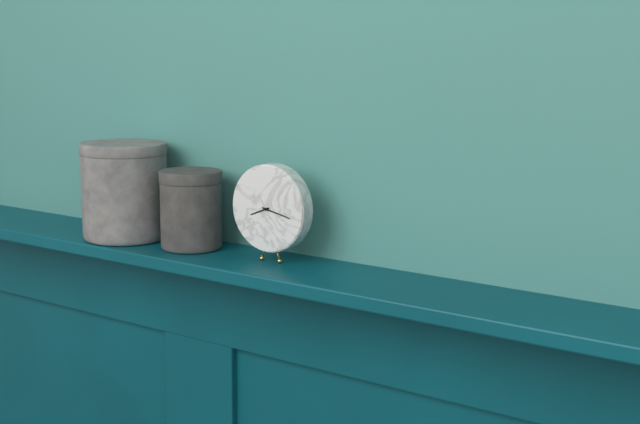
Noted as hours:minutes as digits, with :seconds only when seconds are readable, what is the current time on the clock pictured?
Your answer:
8:17
